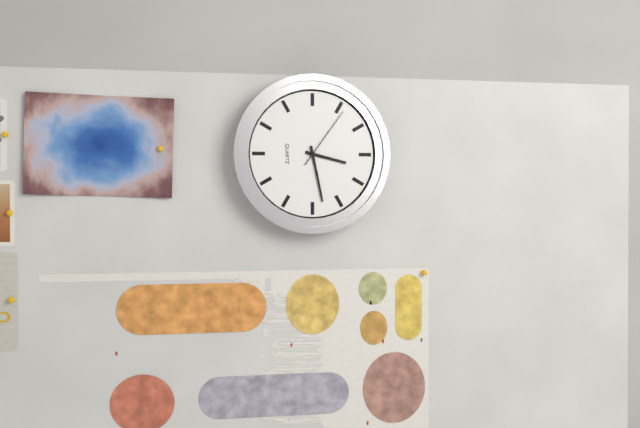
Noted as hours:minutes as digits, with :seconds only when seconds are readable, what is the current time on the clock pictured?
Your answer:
3:28:06
